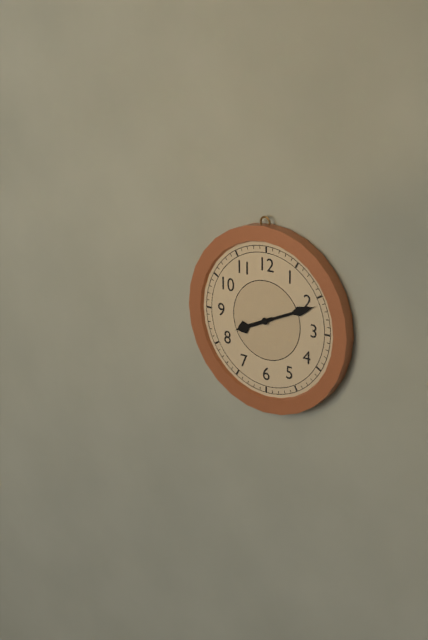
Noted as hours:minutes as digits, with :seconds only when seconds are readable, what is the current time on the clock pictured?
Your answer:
8:11
